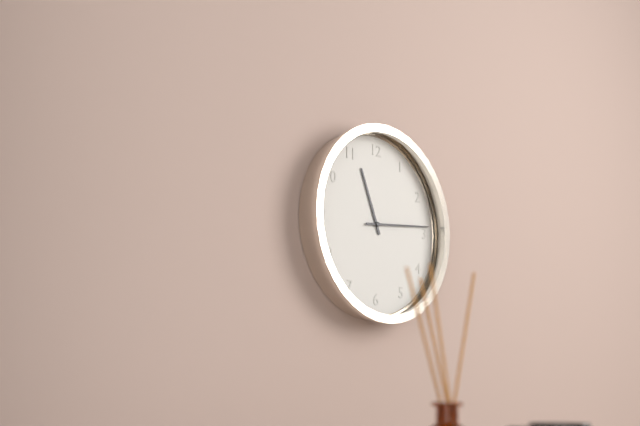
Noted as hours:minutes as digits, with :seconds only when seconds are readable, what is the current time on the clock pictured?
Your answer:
11:14
